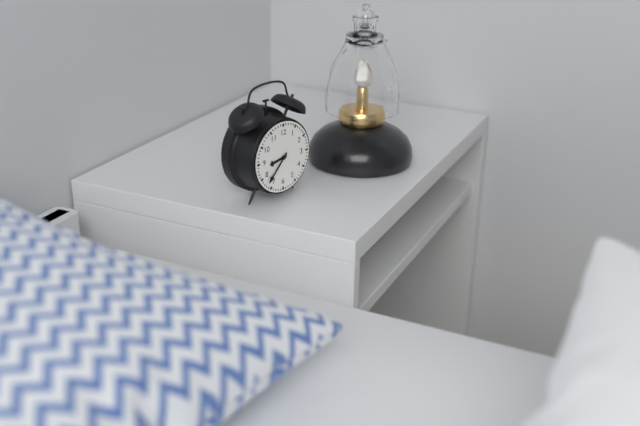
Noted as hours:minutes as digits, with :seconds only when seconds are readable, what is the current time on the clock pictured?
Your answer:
8:37
